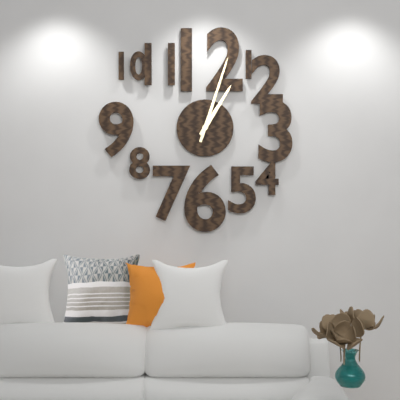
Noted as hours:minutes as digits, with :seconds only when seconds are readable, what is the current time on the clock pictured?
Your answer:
1:03
